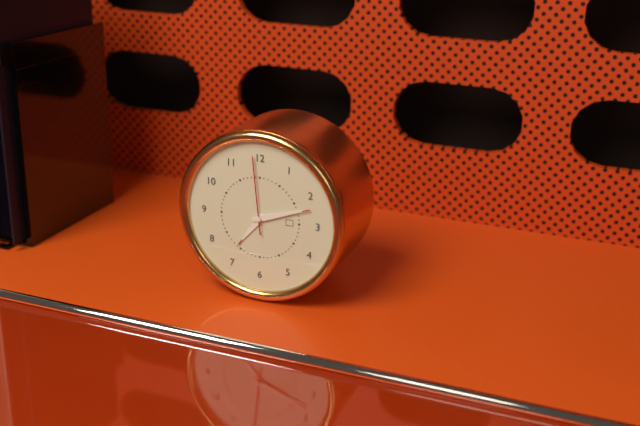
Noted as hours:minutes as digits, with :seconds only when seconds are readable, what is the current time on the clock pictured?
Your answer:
7:12:59
